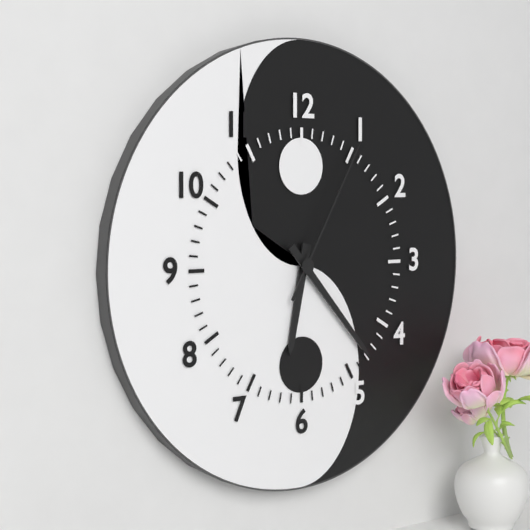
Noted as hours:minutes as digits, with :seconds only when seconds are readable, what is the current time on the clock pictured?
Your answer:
6:23:05
